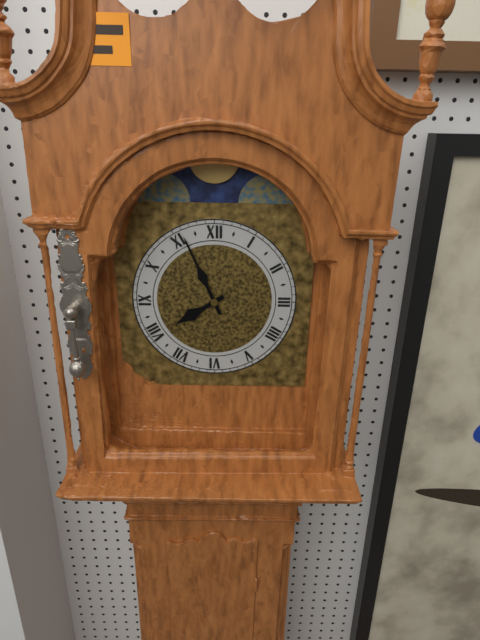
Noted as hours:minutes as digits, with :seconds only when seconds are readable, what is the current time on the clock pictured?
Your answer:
7:56
